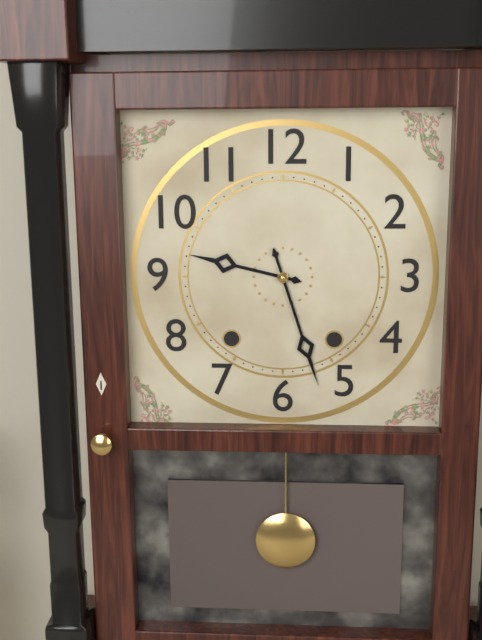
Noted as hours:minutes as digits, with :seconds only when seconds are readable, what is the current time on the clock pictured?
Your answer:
9:27
